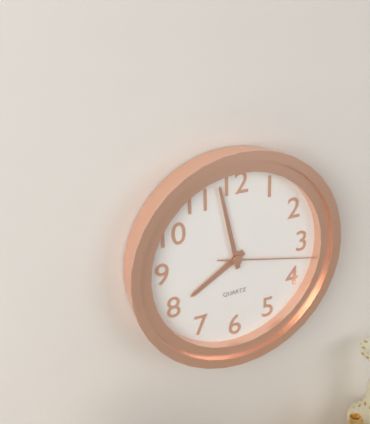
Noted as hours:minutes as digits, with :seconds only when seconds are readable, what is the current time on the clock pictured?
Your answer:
7:58:17
